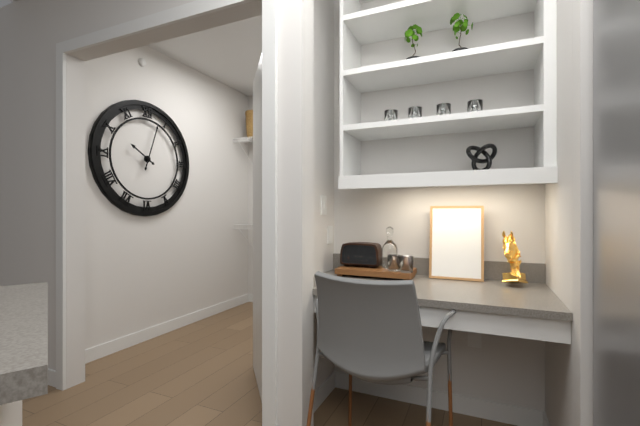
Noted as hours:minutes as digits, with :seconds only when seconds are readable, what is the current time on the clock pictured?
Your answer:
10:03
